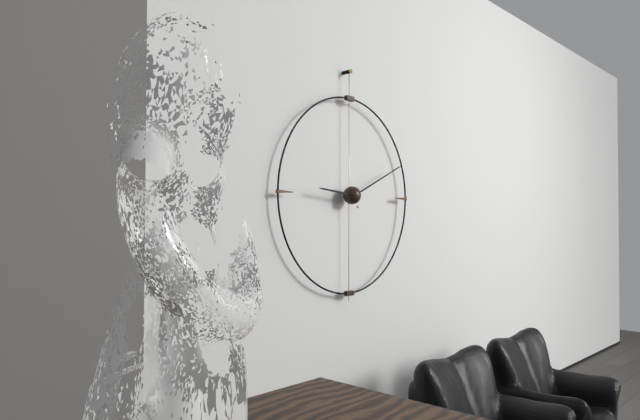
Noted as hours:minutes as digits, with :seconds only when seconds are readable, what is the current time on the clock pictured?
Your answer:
9:11
